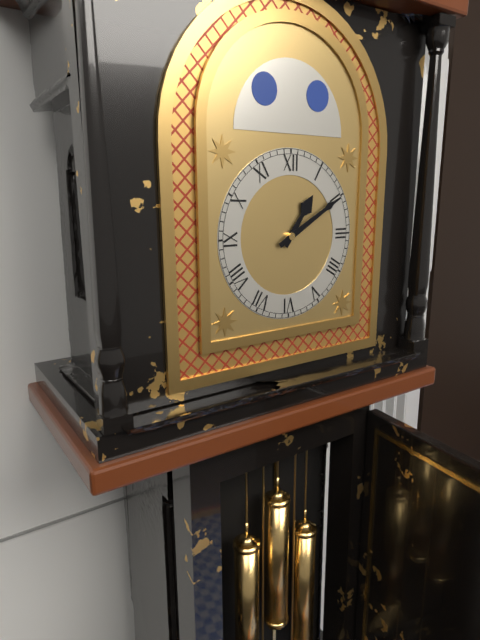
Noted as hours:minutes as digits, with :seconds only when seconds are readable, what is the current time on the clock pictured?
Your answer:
1:10
